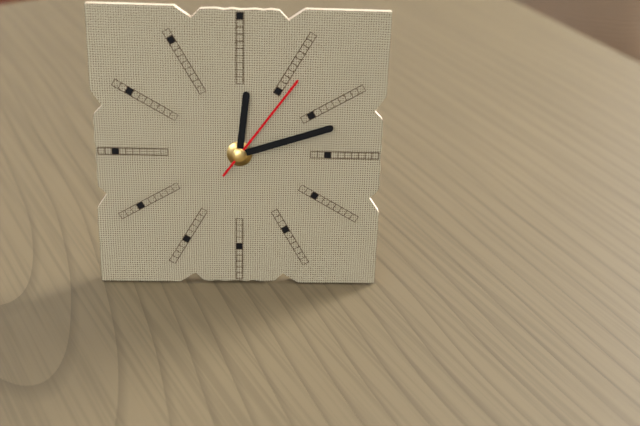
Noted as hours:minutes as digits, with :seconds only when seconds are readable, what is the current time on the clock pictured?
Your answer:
12:12:06
